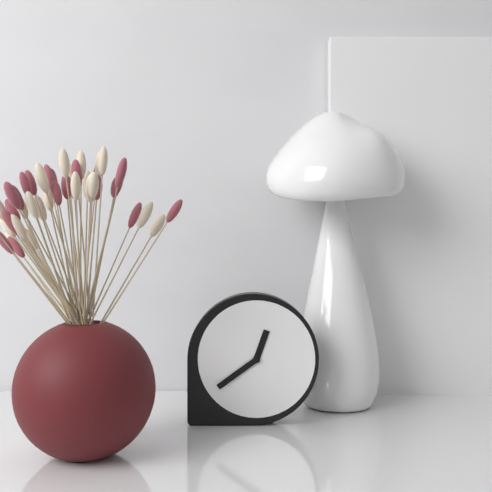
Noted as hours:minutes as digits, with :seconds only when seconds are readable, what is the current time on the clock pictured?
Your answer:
12:39
